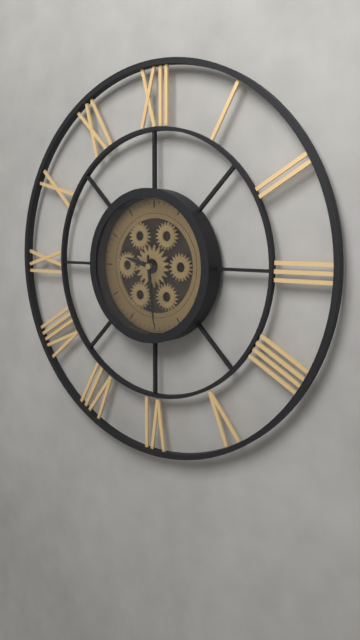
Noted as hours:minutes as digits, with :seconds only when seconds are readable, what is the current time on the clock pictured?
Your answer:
9:29
